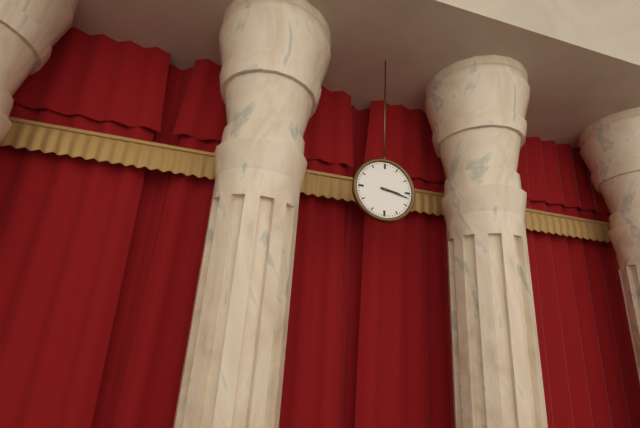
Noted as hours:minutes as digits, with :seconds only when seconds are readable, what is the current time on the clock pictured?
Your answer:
3:17
